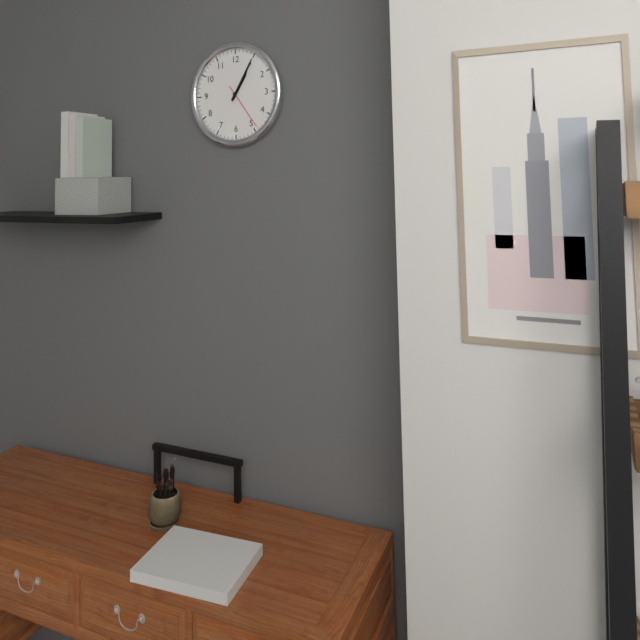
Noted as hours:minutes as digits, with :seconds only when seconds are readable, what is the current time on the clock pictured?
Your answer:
1:05
